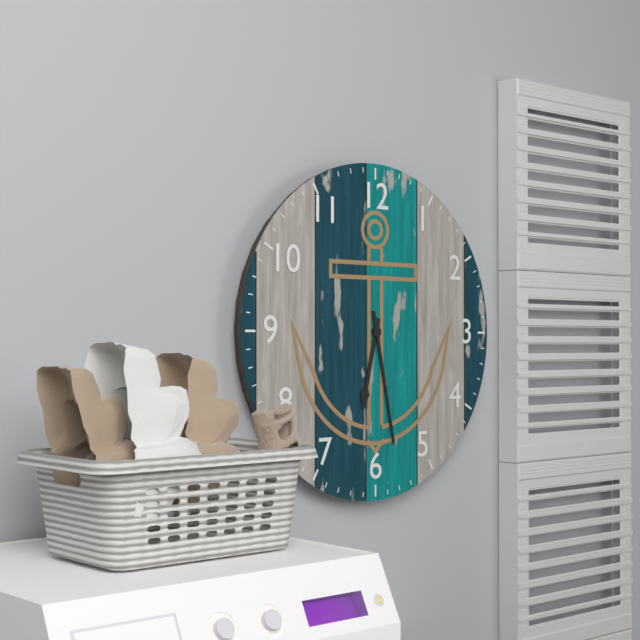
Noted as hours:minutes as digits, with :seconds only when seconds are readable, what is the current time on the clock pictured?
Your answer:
6:28
